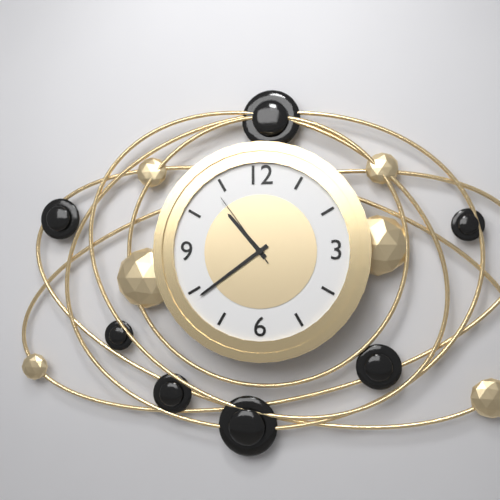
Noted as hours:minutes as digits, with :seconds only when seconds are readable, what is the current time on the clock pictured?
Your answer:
10:39:54
